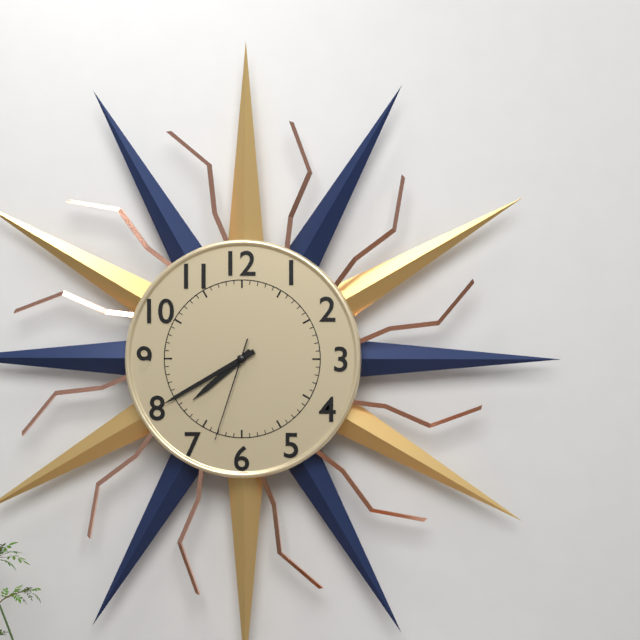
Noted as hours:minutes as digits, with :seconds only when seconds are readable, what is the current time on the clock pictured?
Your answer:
7:40:33
